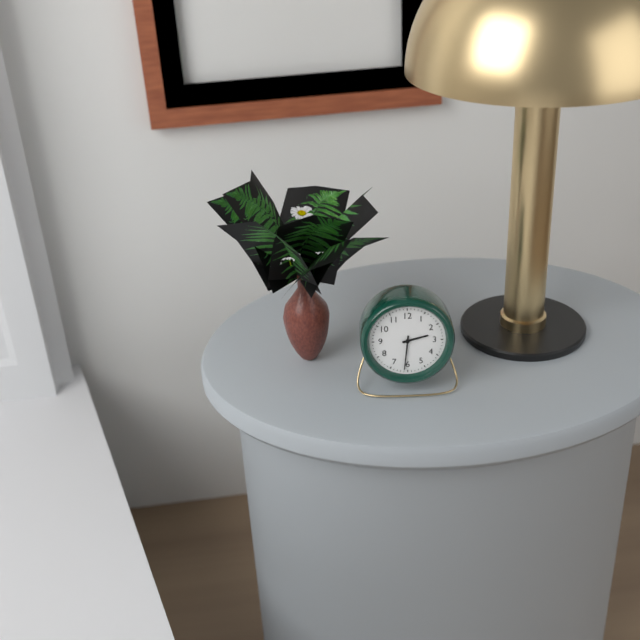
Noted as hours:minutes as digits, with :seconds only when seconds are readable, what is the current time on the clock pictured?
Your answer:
2:31
